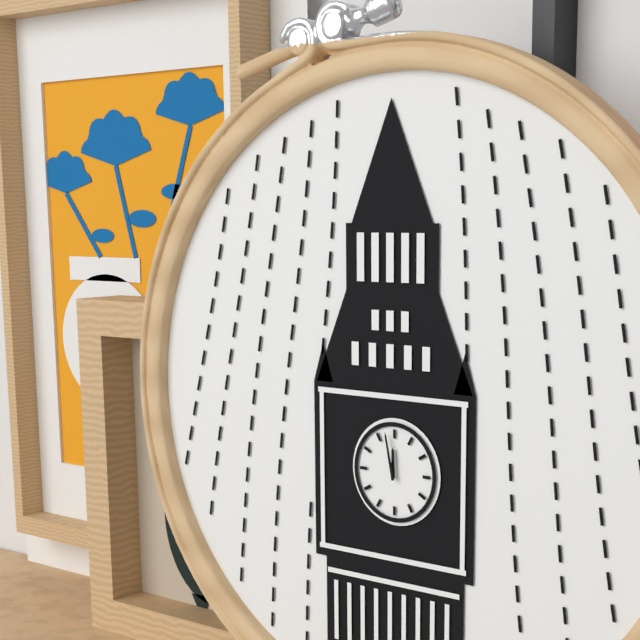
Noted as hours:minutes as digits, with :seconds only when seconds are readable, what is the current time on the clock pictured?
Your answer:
11:58
